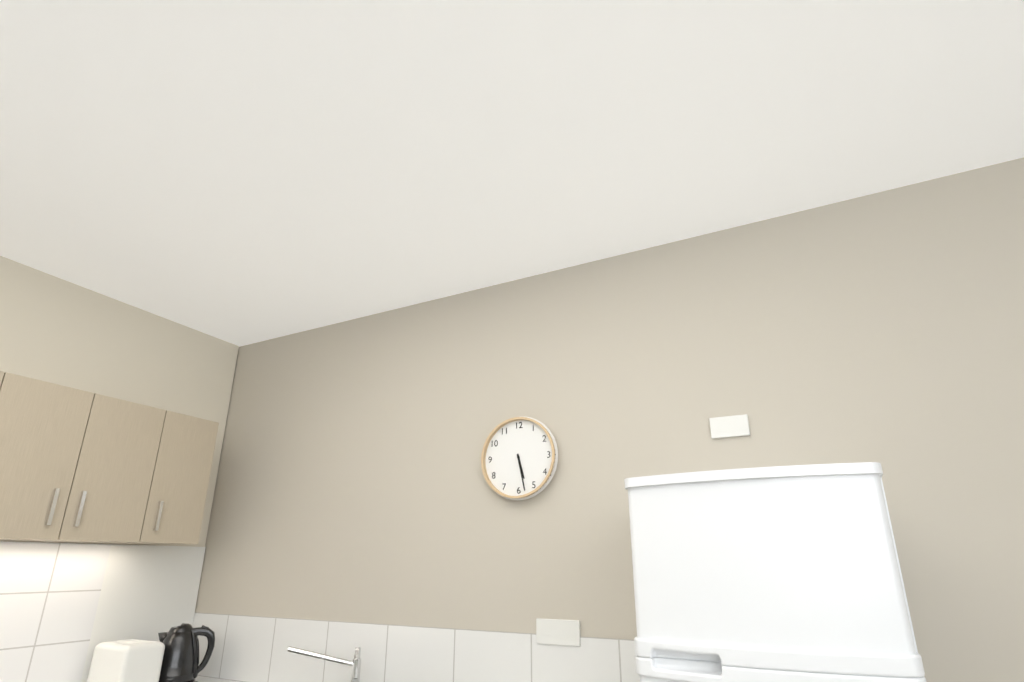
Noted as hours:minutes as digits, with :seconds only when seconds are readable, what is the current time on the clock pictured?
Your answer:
5:28
